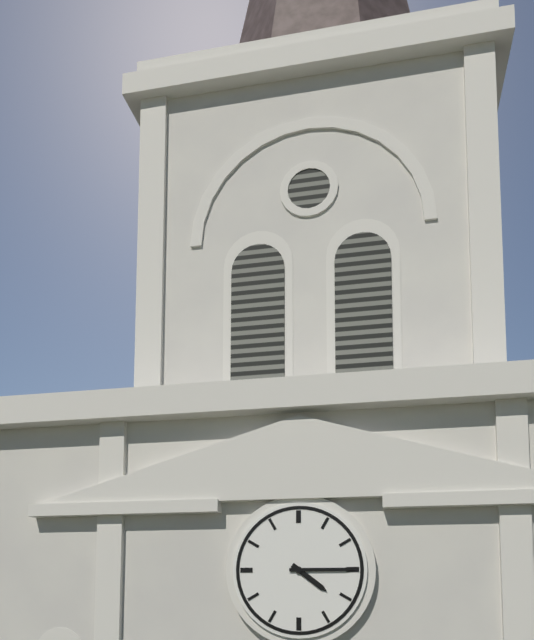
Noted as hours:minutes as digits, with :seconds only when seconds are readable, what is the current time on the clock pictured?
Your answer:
4:15
